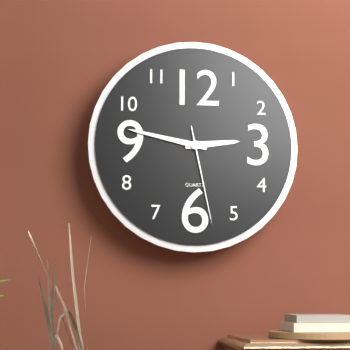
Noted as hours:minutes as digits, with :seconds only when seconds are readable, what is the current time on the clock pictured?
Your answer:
2:47:28
